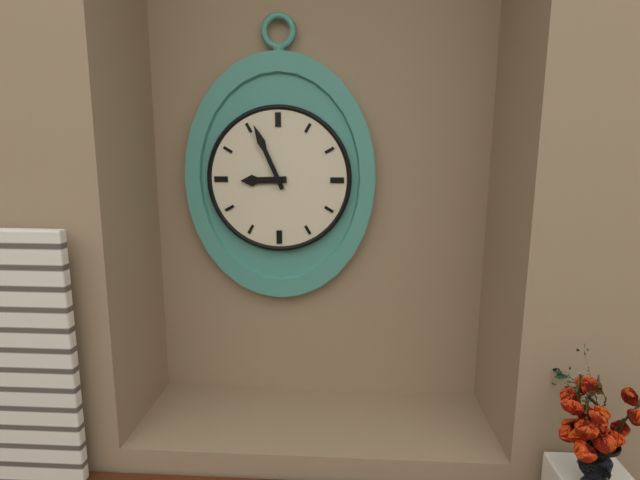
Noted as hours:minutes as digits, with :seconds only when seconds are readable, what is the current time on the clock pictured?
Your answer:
8:56
